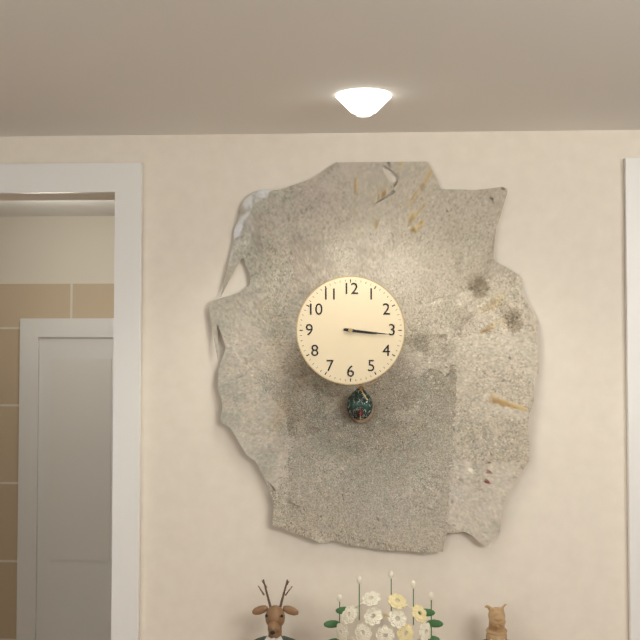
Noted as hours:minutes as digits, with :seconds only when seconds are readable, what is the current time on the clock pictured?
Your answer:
3:16
